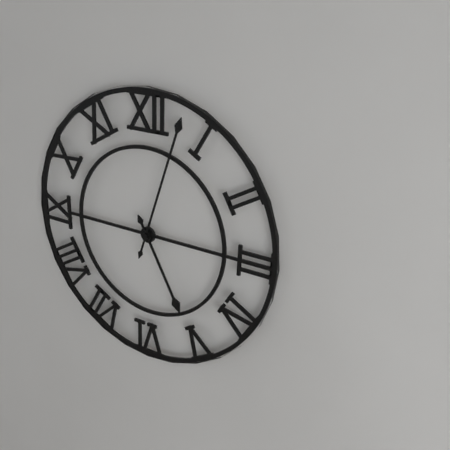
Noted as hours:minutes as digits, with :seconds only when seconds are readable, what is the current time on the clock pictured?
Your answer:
5:03
